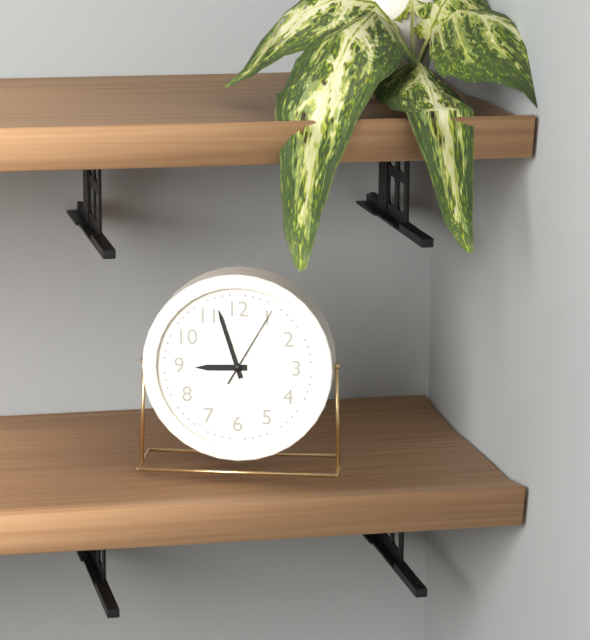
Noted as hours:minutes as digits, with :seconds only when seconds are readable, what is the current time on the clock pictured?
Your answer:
8:57:05
